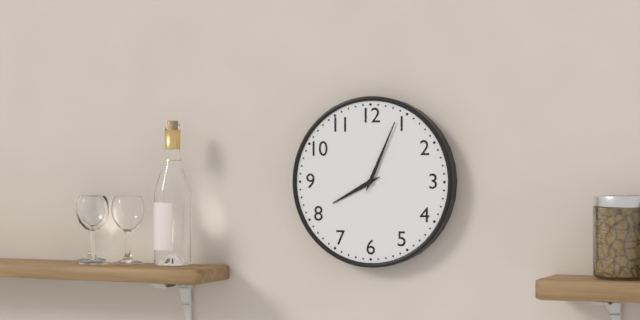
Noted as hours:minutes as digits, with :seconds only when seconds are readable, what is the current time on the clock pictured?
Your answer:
8:04
